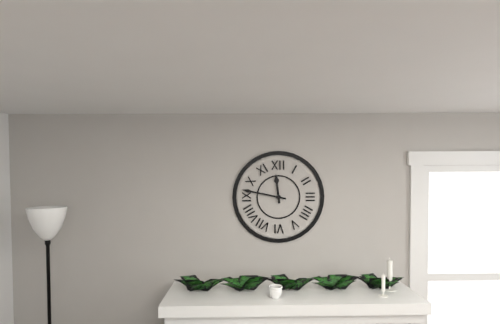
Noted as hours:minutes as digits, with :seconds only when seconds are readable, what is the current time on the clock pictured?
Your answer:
11:47
